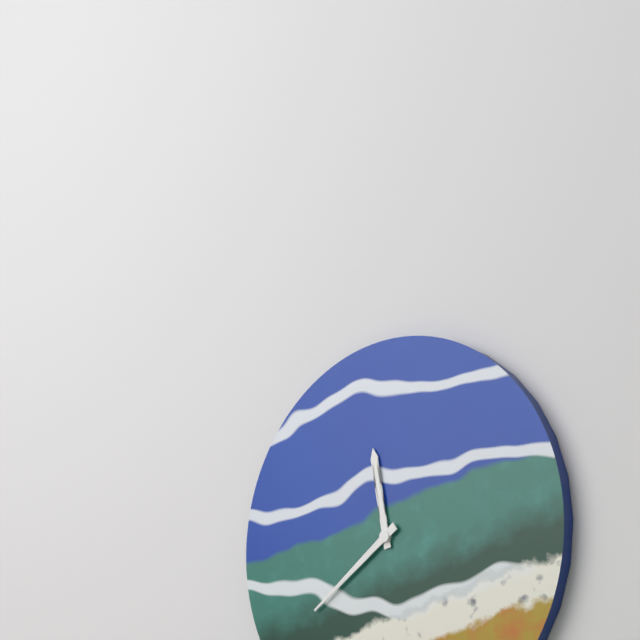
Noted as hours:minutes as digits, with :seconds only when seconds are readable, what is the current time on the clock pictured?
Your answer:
11:39
